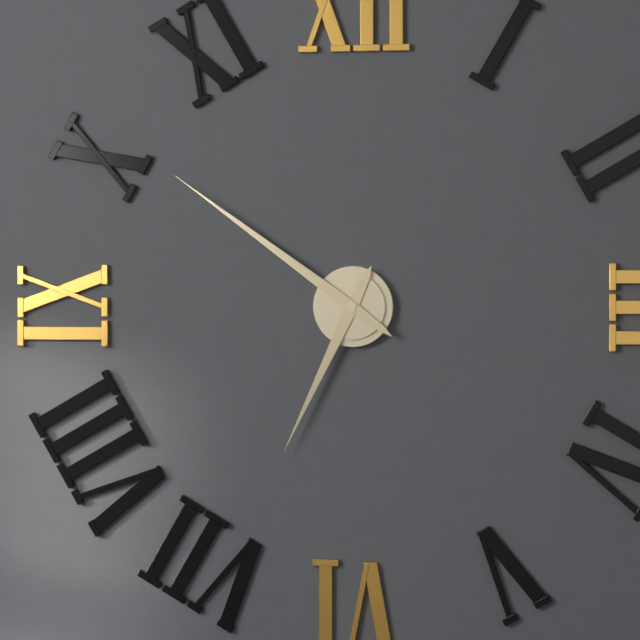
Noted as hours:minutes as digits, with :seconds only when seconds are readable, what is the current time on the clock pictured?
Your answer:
6:51
